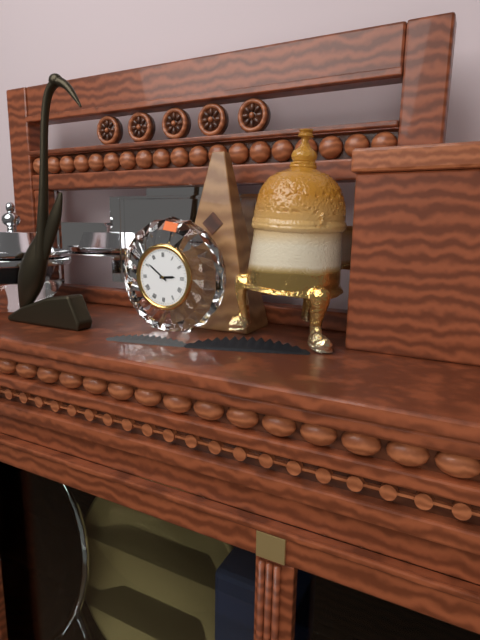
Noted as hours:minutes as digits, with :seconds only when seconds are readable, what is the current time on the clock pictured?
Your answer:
2:51
